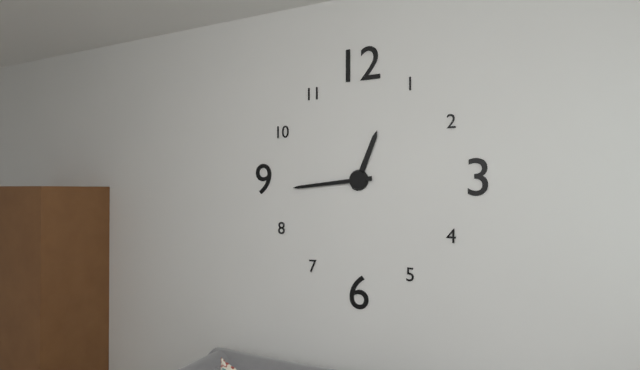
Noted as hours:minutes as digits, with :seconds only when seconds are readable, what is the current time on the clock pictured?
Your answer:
12:44
